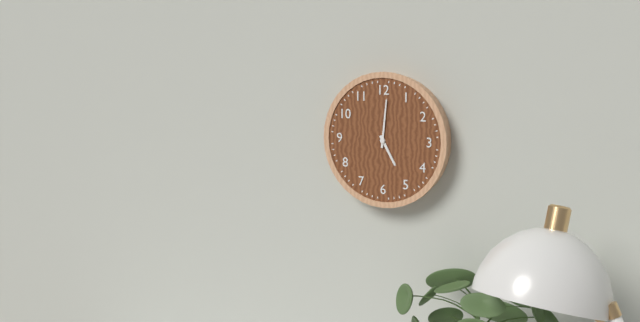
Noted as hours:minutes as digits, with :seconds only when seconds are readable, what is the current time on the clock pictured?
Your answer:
5:01
